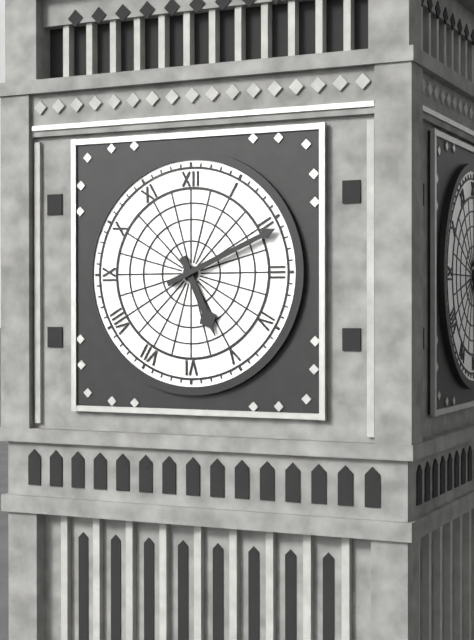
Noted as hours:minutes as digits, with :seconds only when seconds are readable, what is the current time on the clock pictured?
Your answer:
5:11
